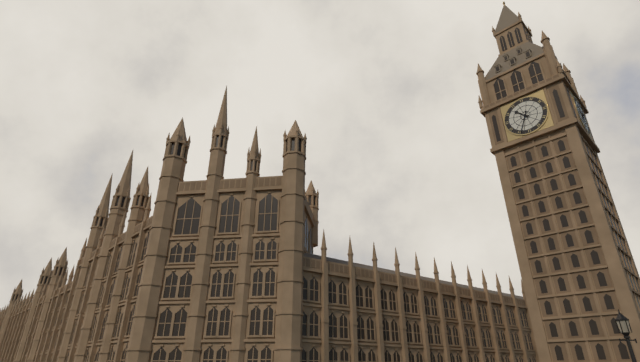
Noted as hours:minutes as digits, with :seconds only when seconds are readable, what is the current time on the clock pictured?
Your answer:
10:34
